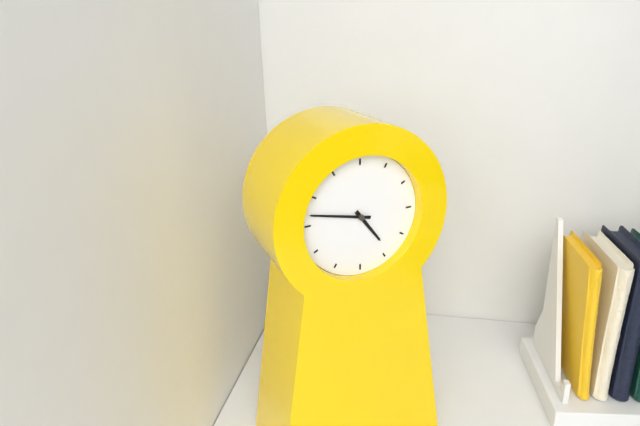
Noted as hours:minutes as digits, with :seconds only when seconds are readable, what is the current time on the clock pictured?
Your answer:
4:47
